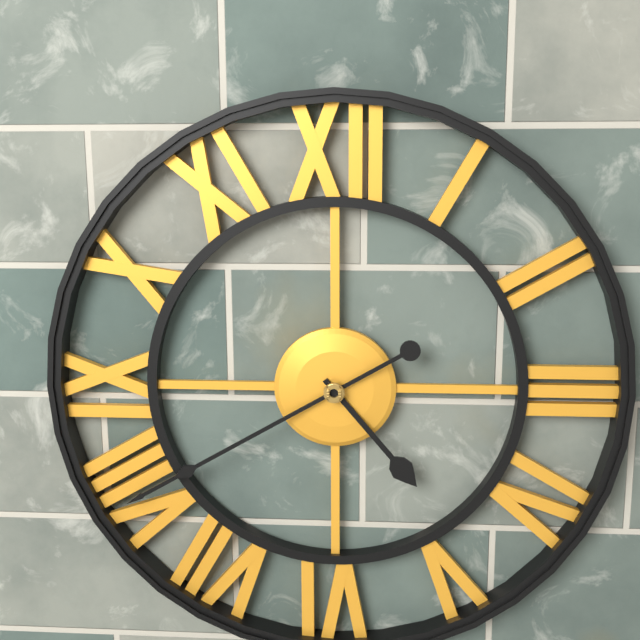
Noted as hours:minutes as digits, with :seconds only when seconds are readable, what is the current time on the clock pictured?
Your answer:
4:40
